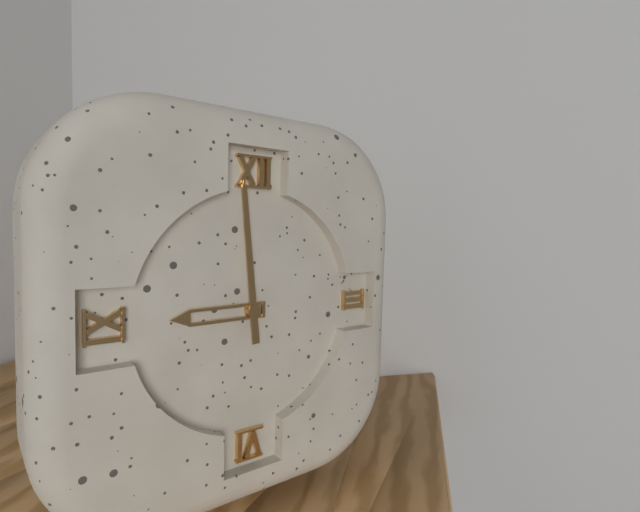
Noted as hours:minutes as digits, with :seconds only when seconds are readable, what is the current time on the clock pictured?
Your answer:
8:59
